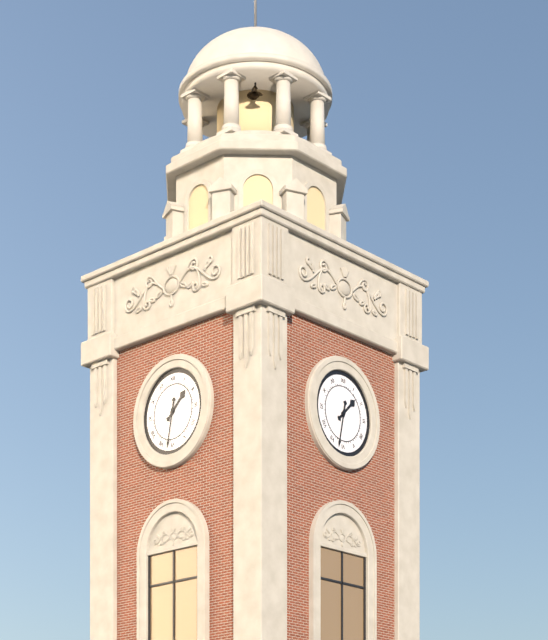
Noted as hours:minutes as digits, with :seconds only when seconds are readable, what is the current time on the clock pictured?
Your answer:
1:32
